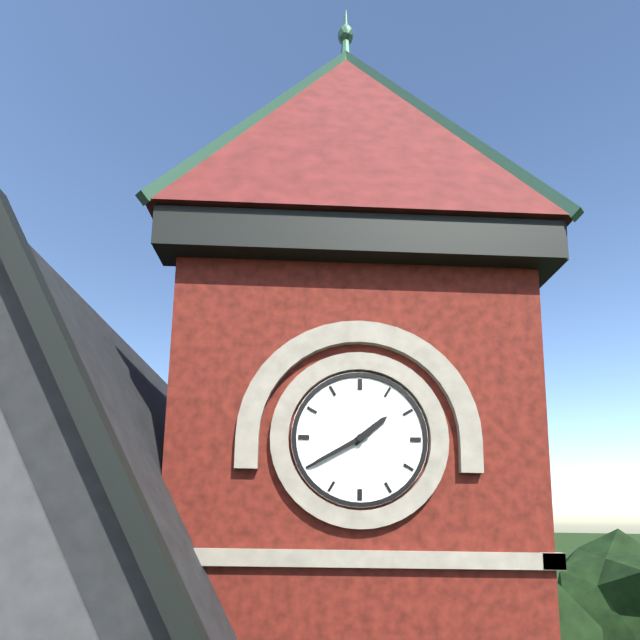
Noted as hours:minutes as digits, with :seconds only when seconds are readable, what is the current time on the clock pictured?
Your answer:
1:40
